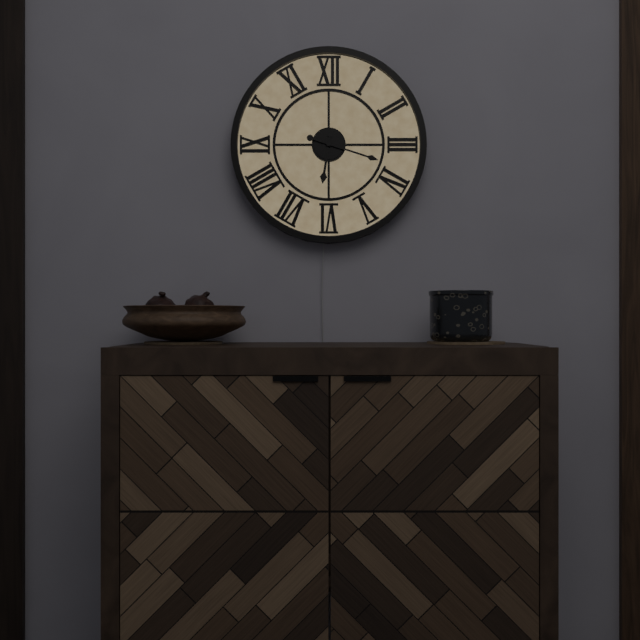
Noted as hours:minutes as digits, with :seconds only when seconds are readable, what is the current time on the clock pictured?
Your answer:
6:18
